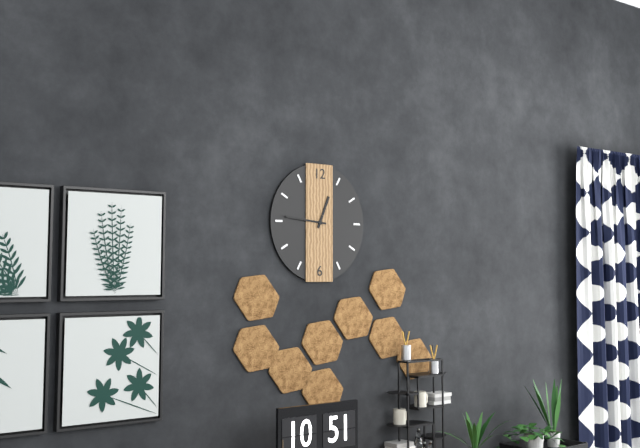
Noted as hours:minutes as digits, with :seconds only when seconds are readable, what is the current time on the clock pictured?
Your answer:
12:46
